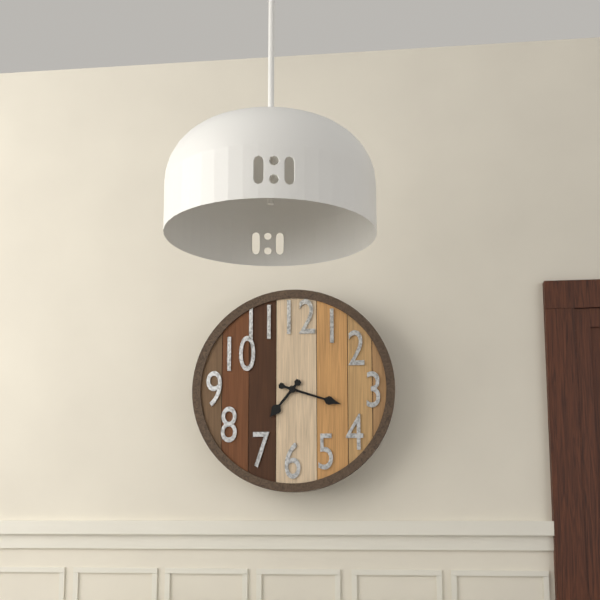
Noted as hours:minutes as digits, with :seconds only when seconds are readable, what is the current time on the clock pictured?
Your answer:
7:18
